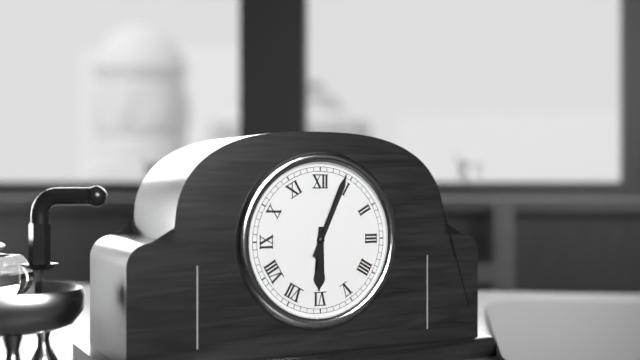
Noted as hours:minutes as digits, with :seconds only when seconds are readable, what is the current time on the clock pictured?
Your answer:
6:04
